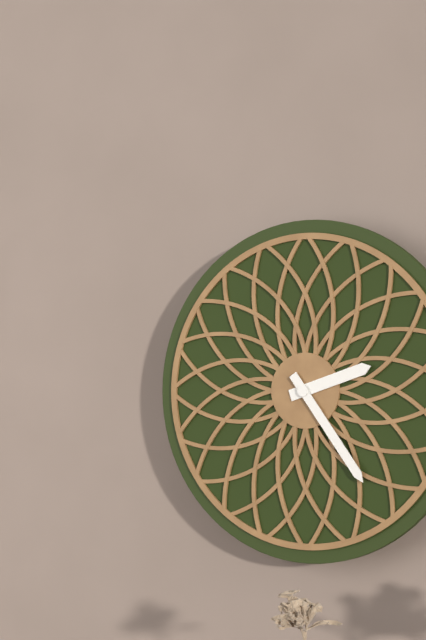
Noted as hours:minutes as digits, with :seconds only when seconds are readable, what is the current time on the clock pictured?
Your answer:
2:24
